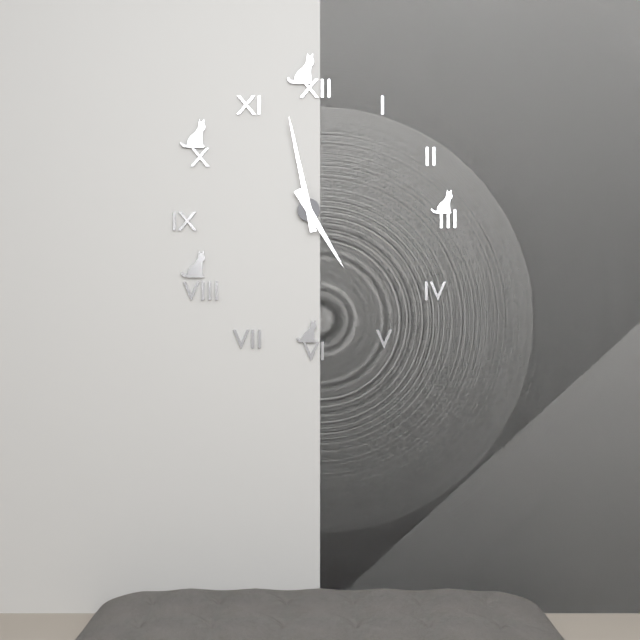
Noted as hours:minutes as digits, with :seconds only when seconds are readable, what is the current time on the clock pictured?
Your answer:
4:58
